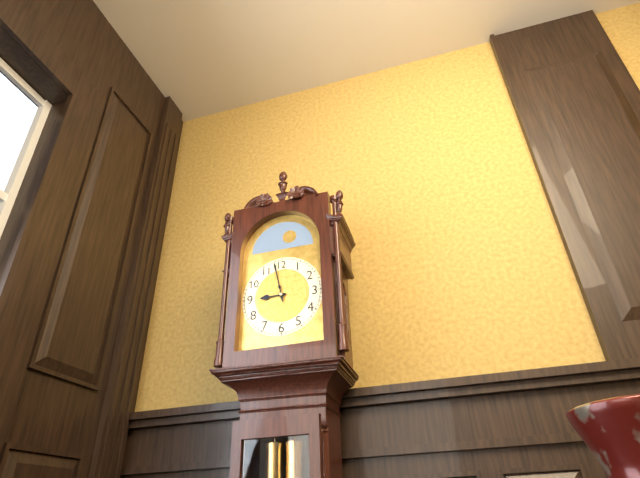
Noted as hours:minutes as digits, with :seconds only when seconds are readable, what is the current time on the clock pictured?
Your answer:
8:58
